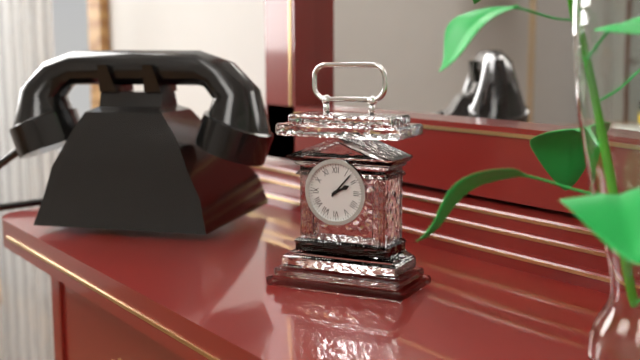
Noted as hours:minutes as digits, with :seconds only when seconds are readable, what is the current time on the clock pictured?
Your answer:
2:07
